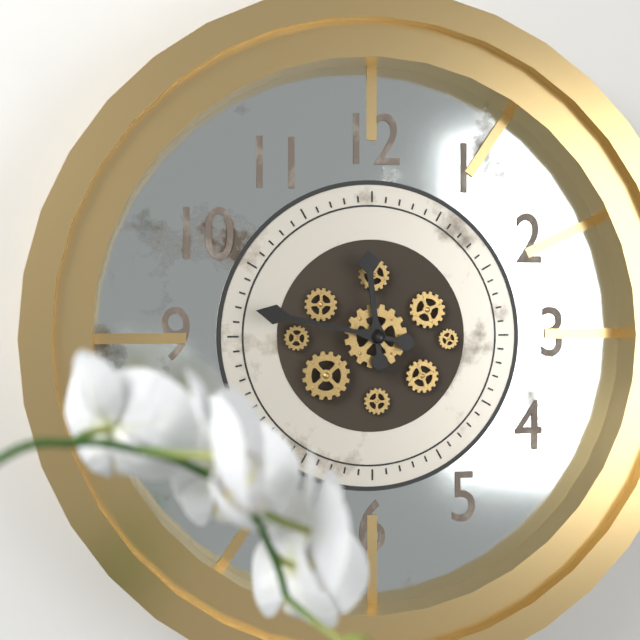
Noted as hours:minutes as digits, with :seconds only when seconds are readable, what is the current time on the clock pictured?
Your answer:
11:47
